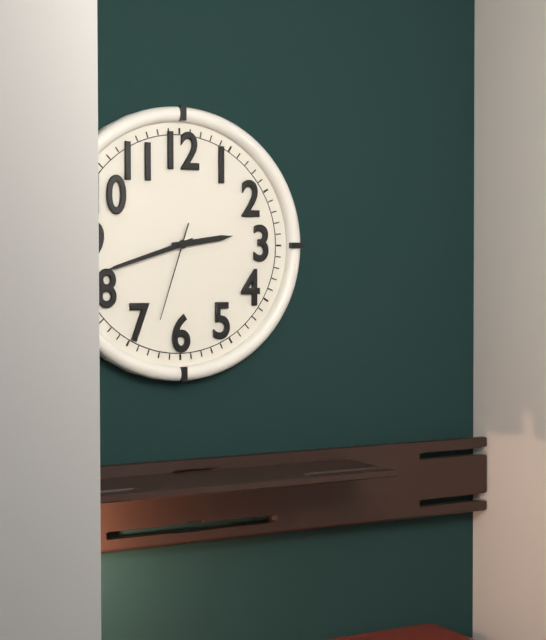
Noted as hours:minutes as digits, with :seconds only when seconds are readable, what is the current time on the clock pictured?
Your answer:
2:42:33
